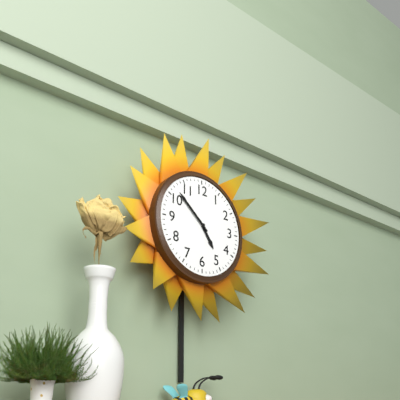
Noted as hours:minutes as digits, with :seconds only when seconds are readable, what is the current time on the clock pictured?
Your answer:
4:52
